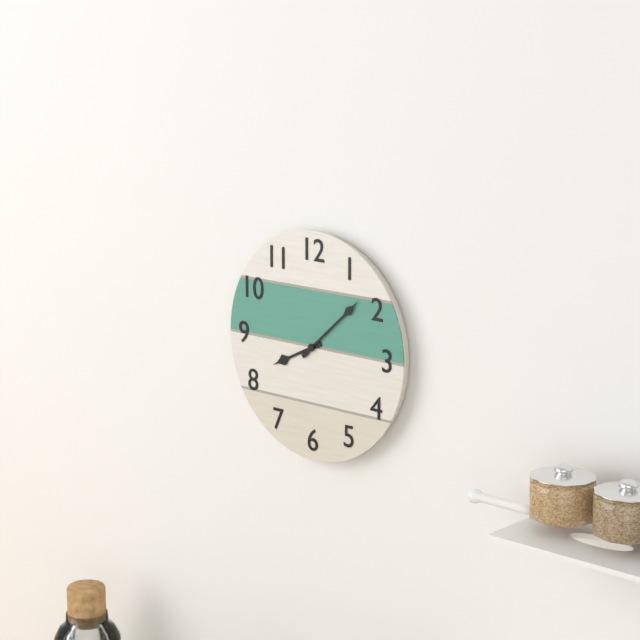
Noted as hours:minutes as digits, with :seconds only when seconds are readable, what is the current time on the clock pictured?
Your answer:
8:08
